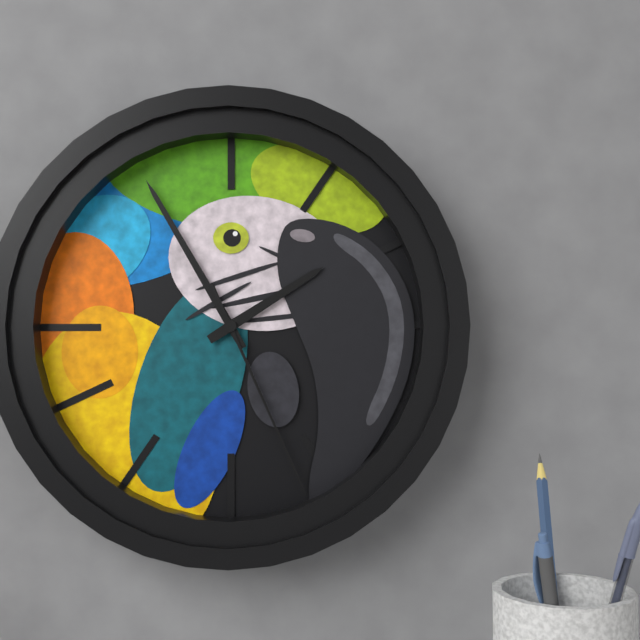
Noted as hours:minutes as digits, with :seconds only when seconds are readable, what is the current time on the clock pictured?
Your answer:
1:55:26
